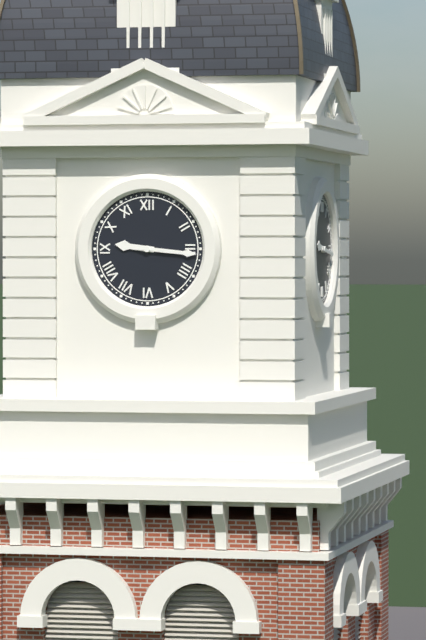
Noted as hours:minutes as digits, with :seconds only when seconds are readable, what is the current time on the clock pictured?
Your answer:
9:16
